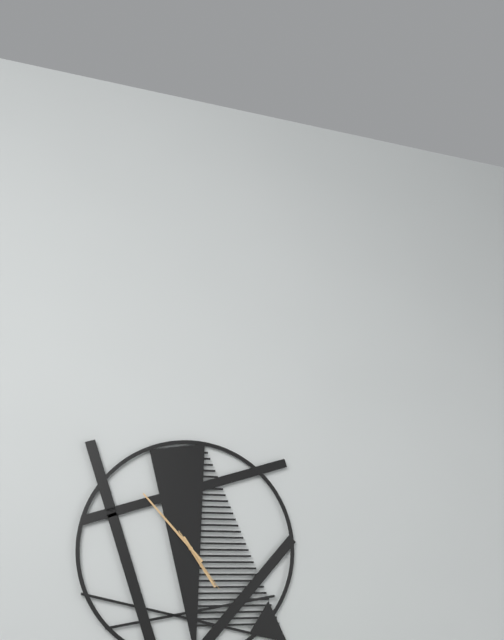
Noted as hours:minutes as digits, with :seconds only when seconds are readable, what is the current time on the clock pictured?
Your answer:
4:53:24
